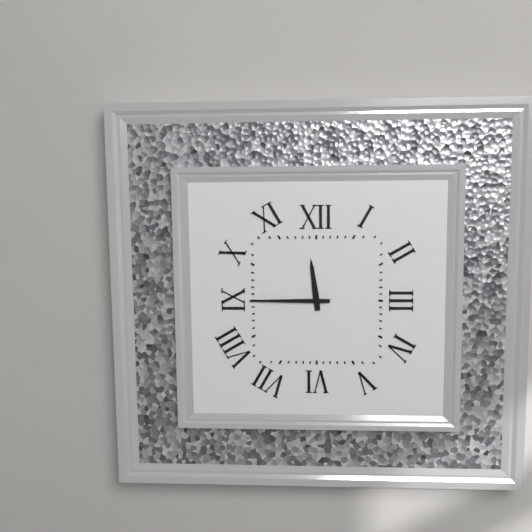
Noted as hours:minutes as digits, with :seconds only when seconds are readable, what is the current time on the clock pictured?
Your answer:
11:45
